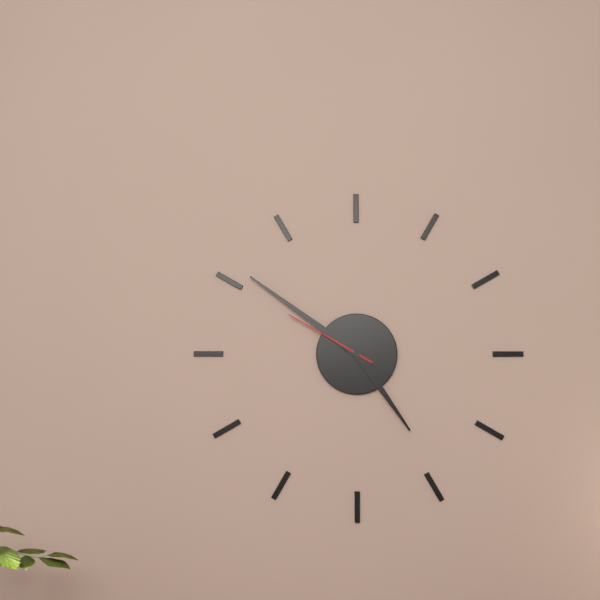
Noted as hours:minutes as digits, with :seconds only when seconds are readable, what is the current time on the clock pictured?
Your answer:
4:51:50
